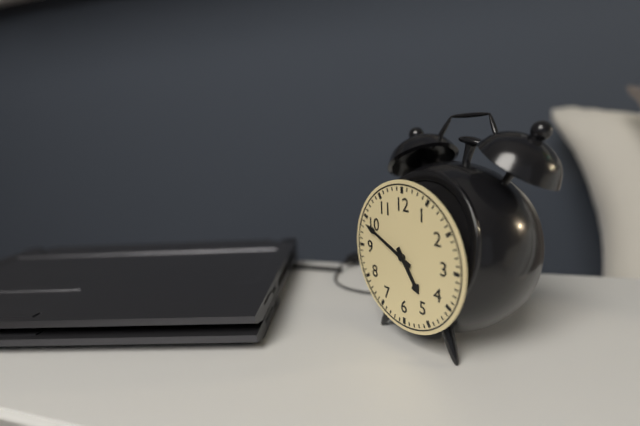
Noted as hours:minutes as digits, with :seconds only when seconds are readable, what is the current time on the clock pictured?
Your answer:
4:49
